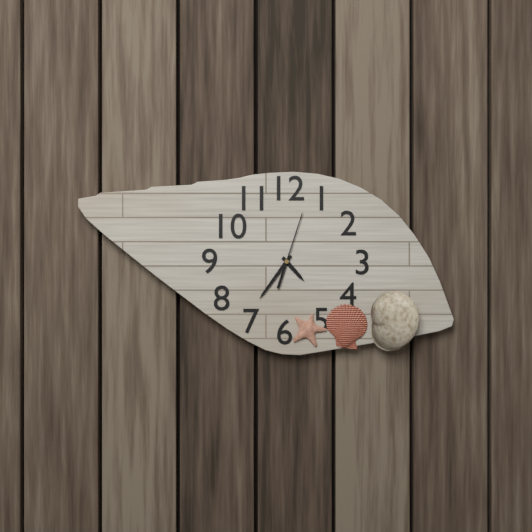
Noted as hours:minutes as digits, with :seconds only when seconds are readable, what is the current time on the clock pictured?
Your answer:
4:36:03
